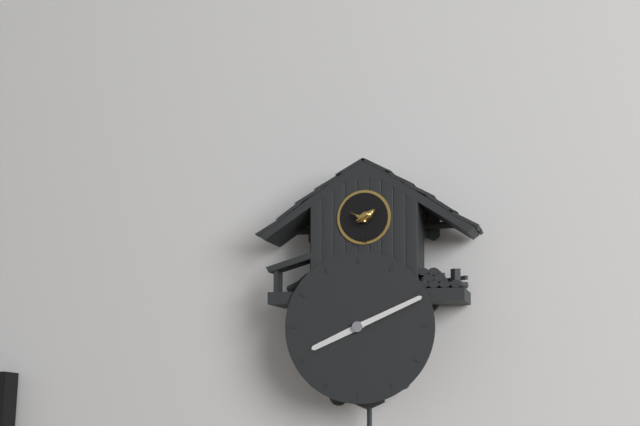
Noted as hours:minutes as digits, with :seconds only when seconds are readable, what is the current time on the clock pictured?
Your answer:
8:11
